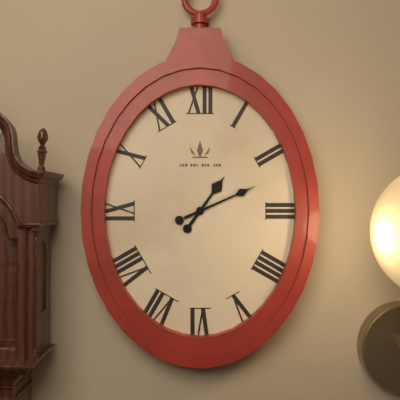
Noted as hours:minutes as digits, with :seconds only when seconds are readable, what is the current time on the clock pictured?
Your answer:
1:11
